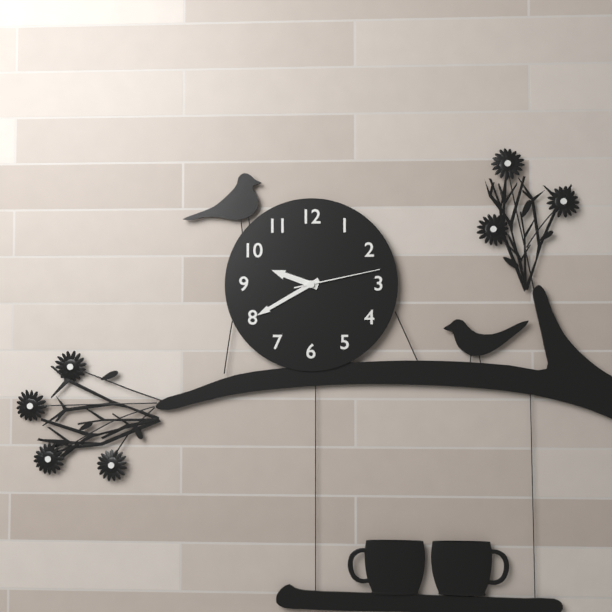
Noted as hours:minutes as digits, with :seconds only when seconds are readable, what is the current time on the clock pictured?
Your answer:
9:40:13
